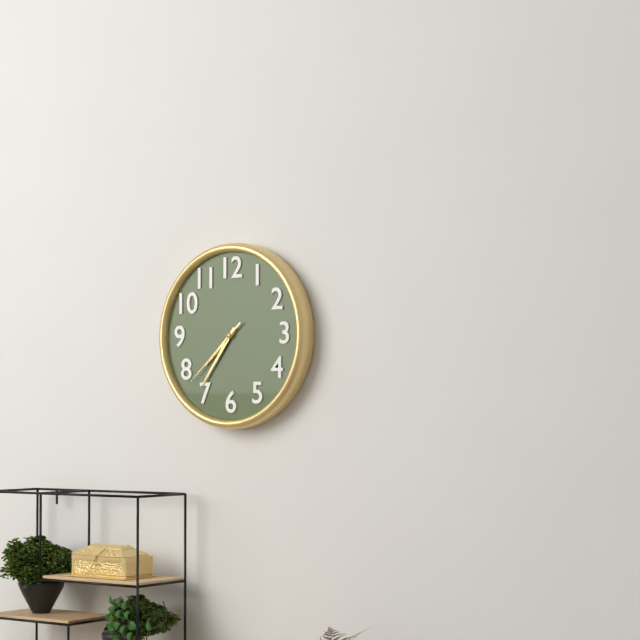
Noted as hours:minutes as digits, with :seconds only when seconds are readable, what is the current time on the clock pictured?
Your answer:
7:36:38
